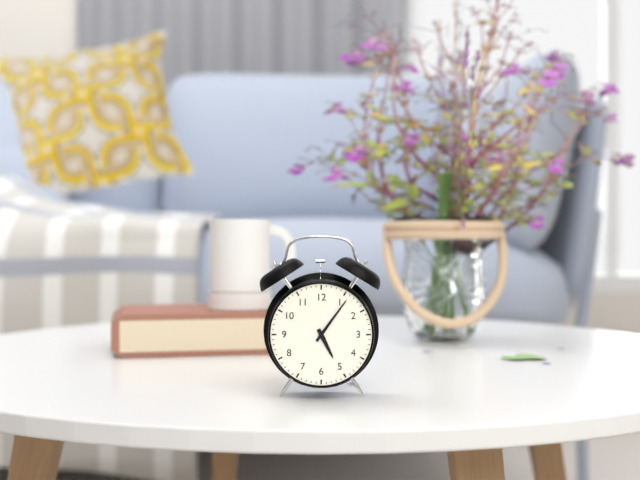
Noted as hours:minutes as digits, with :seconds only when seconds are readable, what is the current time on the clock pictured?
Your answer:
5:06
